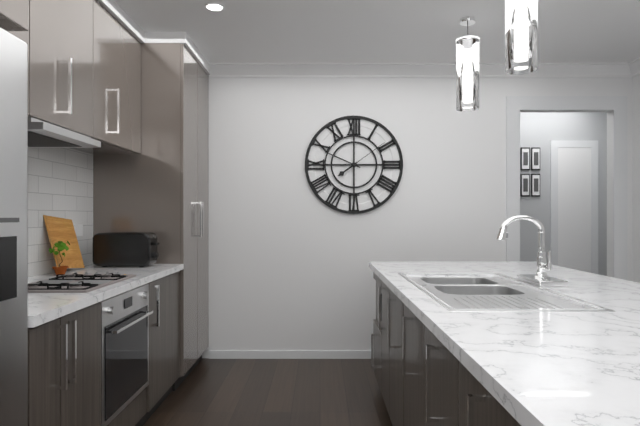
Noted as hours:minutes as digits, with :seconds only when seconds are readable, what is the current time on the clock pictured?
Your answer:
7:49
